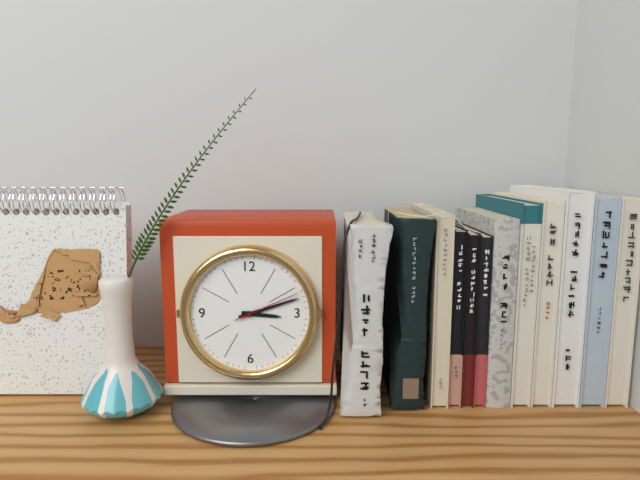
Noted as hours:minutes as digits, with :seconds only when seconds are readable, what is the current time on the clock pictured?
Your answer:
3:12:11
